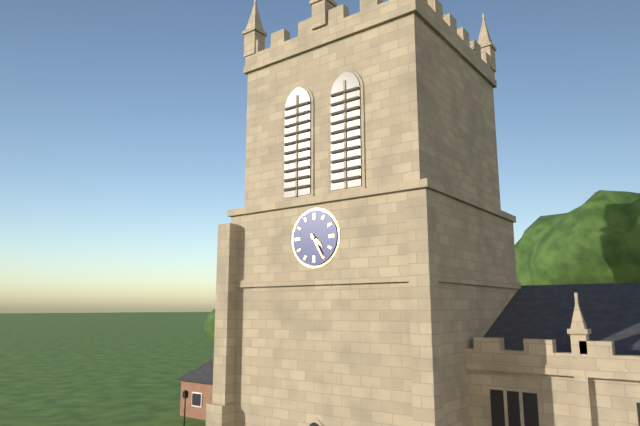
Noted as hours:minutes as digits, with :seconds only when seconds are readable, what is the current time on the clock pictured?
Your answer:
4:25
